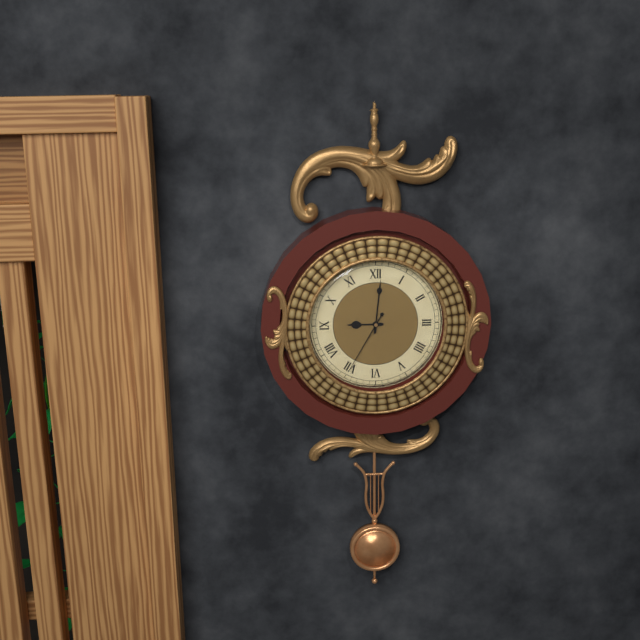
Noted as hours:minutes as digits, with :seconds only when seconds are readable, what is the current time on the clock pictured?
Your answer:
9:01:35
